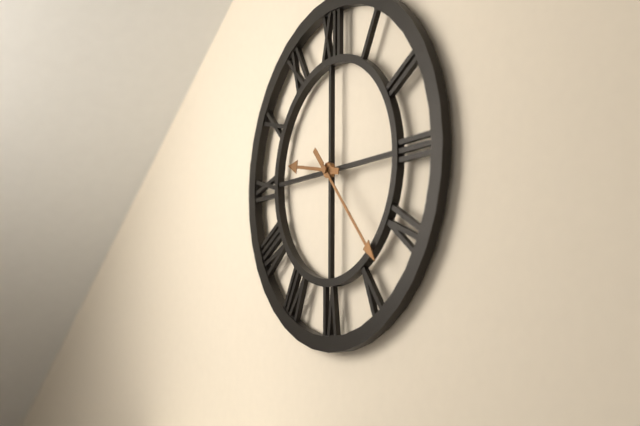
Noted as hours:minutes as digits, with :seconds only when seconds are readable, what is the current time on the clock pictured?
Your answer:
9:23
